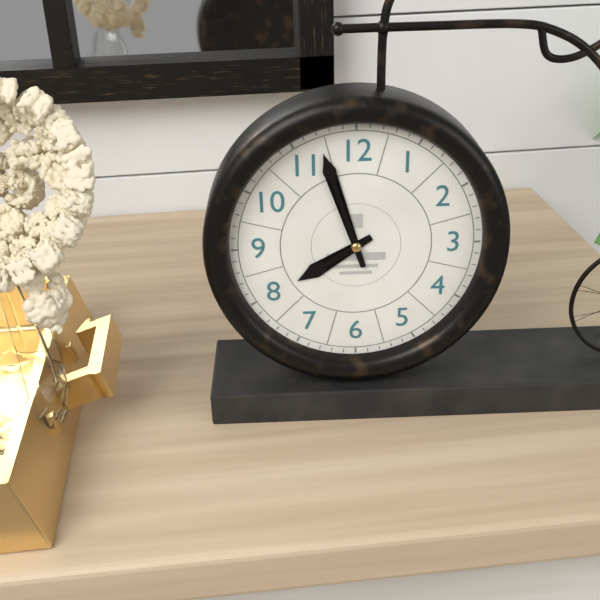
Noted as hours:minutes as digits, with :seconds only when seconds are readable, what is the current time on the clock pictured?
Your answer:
7:57
